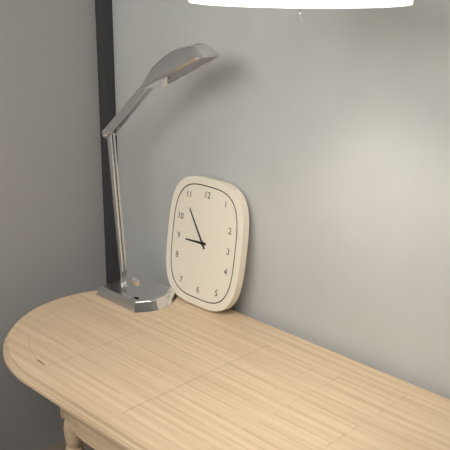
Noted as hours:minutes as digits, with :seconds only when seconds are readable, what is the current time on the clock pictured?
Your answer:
8:54
